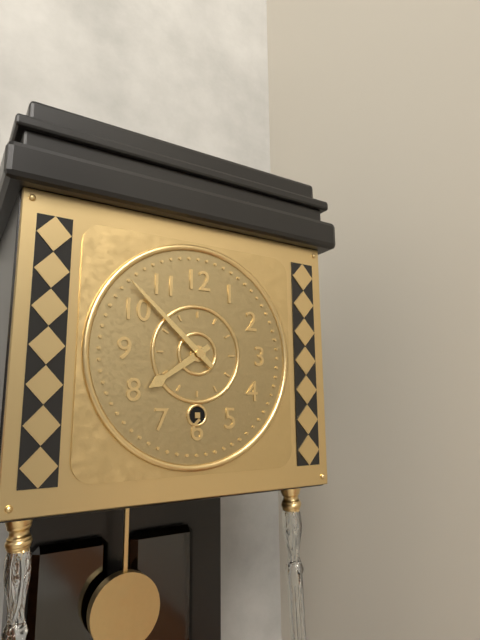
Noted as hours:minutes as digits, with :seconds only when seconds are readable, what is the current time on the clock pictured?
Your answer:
7:52
